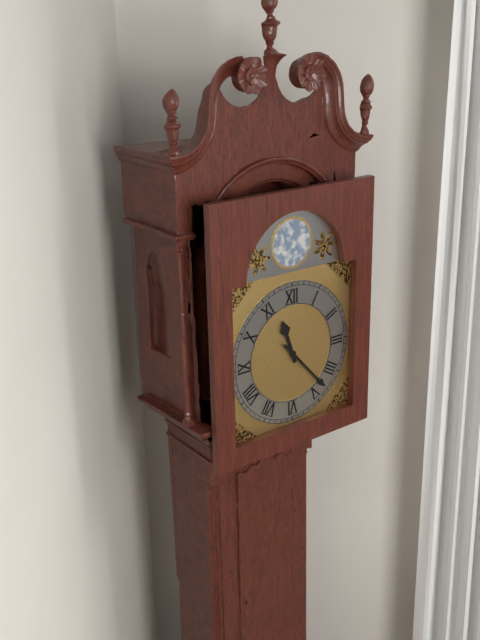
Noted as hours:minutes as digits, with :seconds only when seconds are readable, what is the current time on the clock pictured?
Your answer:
11:23
